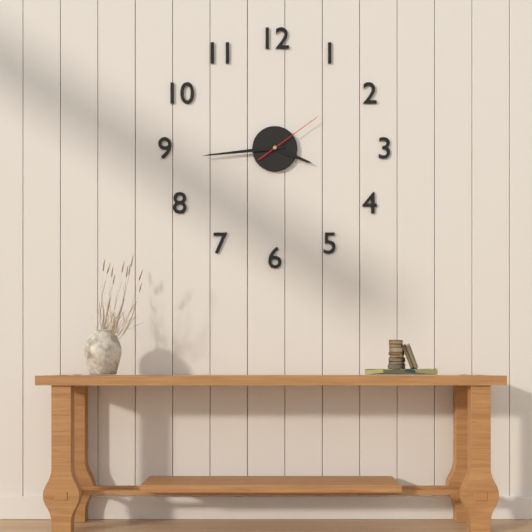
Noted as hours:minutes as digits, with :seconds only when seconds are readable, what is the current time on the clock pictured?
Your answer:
3:44:09
